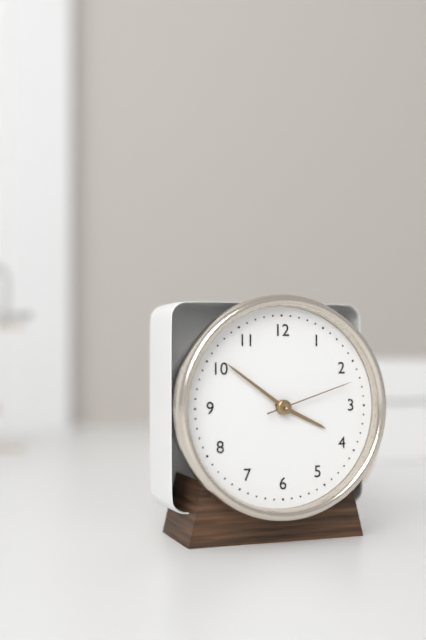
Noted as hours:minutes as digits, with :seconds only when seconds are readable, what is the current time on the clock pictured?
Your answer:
3:51:12
